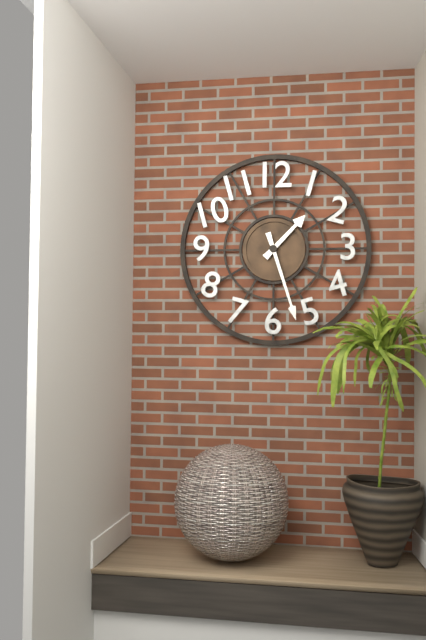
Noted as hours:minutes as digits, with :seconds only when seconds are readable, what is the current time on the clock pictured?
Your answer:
1:27
